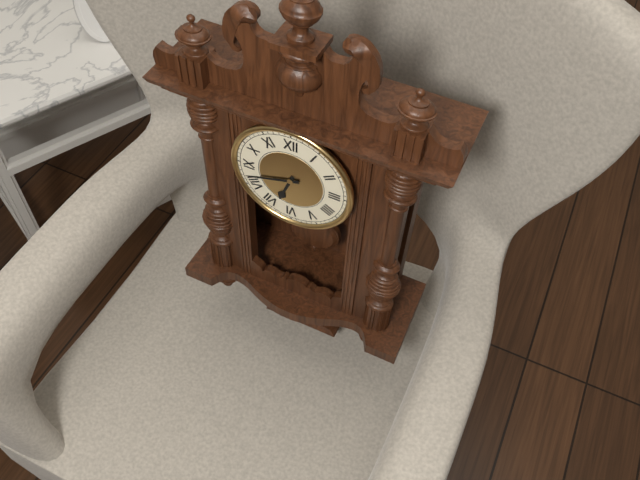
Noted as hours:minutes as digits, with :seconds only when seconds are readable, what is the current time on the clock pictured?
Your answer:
6:42
